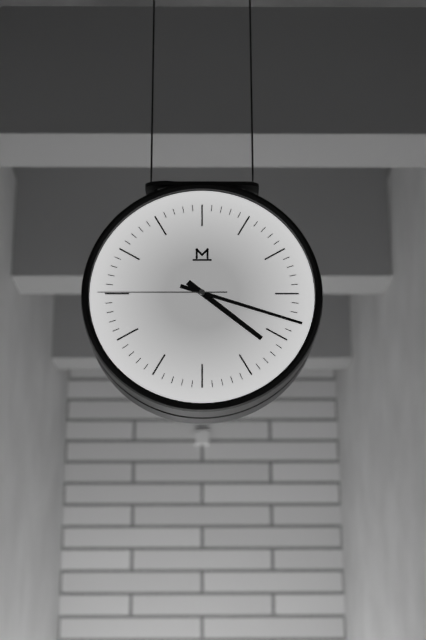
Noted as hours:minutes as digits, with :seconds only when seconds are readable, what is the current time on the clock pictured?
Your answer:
4:18:45
